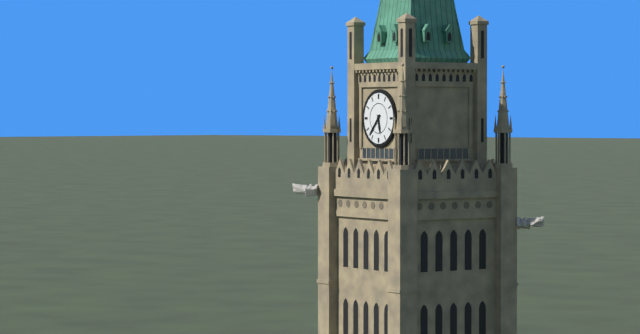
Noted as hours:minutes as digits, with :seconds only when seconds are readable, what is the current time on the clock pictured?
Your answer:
5:37
